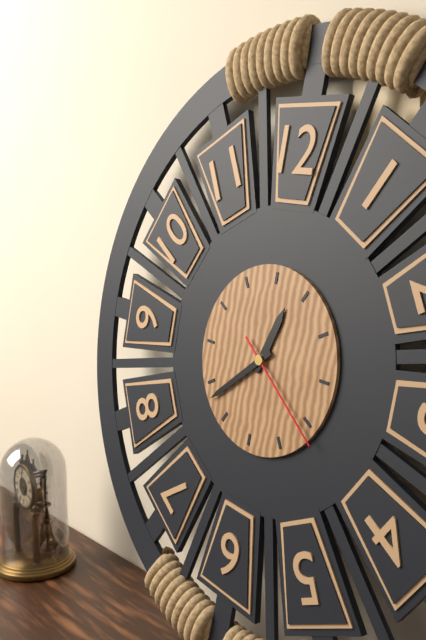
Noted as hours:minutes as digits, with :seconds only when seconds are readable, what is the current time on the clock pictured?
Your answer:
12:38:21
